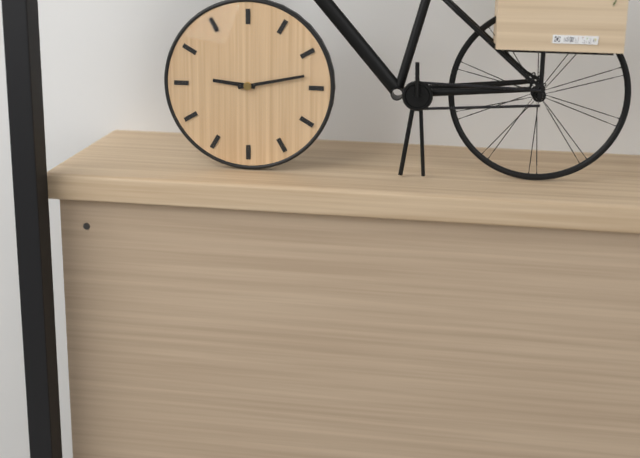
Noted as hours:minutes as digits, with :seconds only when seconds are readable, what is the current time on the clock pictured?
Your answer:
9:13
